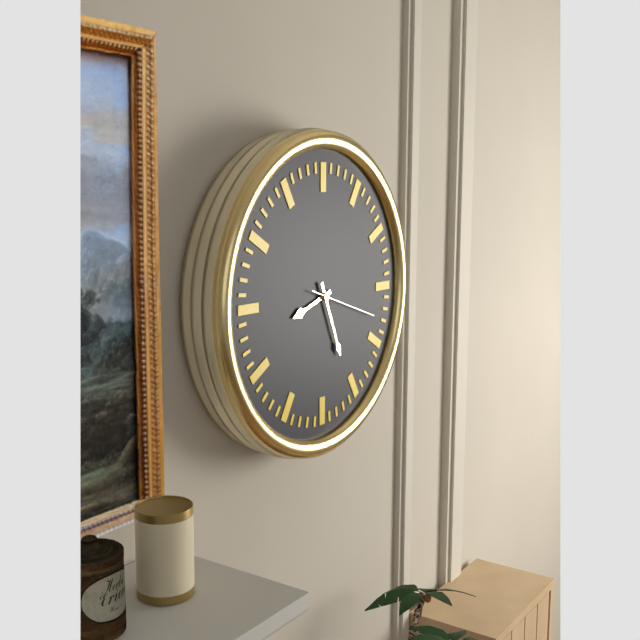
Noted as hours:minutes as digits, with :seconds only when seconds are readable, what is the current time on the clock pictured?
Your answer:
8:26:18
